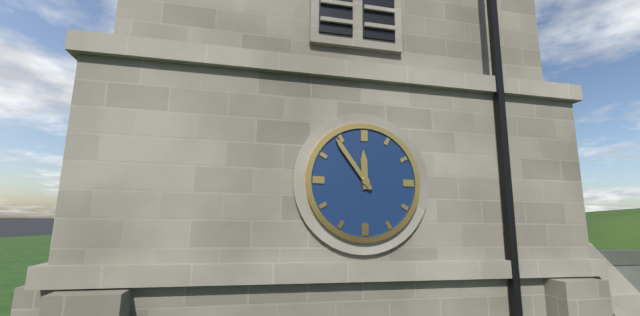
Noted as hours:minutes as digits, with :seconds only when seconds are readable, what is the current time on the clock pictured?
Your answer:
11:54
